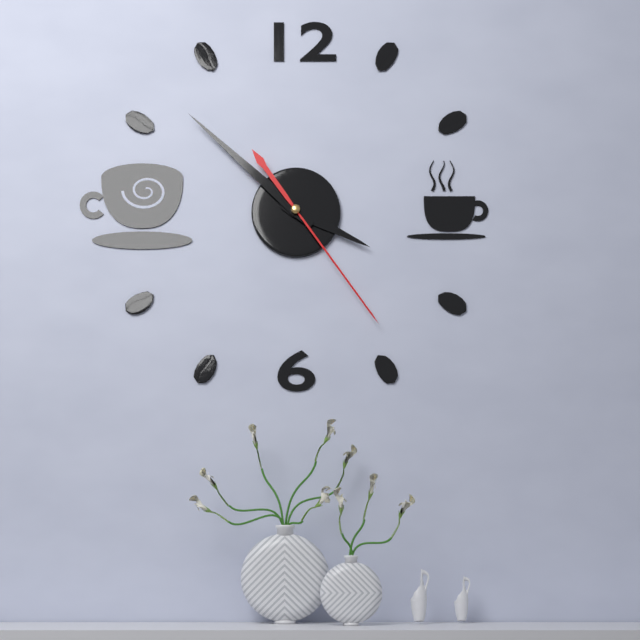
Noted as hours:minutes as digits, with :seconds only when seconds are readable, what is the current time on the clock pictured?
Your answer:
3:52:24
